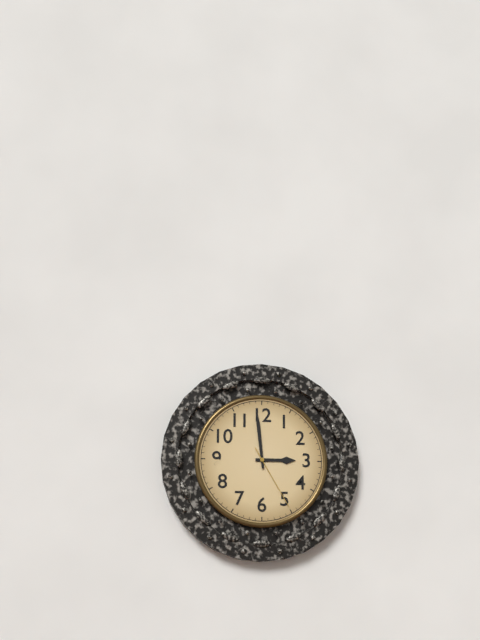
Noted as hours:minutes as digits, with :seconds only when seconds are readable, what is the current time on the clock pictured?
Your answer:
2:59:25
